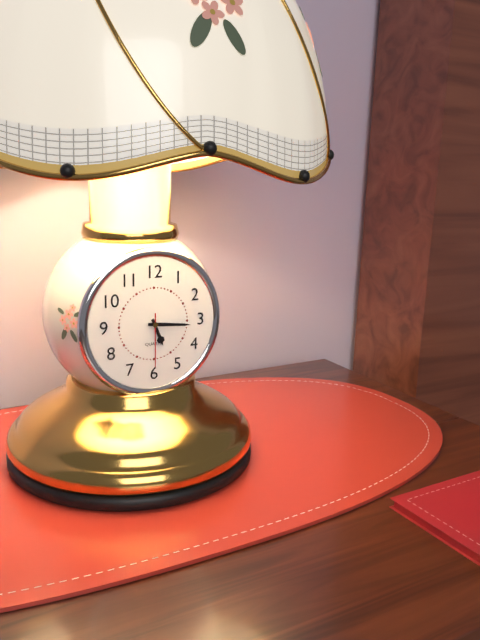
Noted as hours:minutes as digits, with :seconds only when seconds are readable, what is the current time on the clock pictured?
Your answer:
5:16:30
